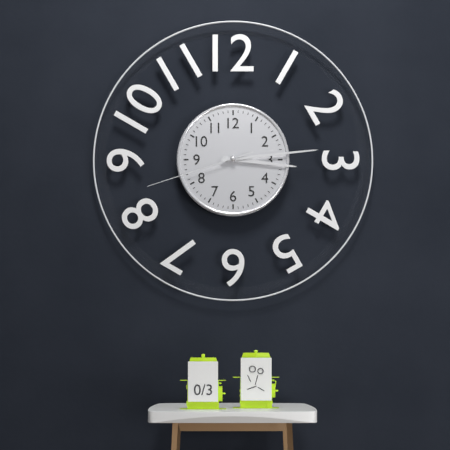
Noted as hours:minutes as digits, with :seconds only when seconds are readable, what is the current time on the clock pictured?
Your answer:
3:14:42
